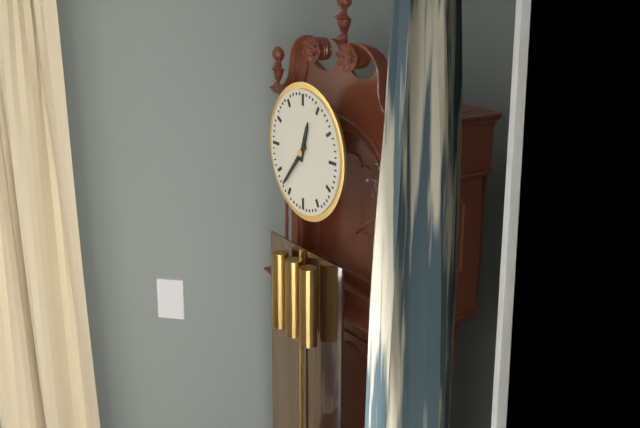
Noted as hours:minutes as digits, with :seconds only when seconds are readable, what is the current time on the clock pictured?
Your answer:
12:37
